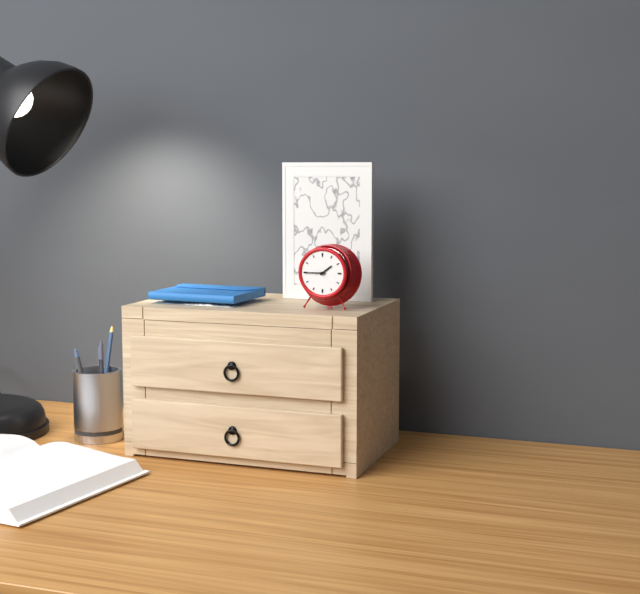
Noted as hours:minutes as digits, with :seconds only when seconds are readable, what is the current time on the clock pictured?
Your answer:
1:45
